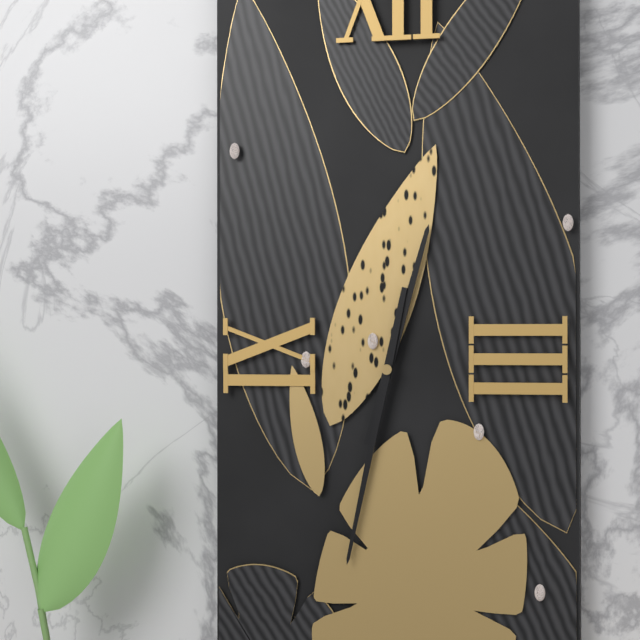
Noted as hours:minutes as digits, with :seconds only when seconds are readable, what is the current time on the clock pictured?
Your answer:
12:32
